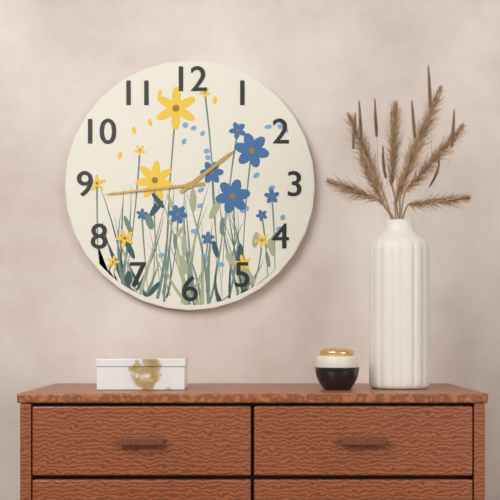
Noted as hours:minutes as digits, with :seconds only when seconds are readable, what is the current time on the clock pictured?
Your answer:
1:44
